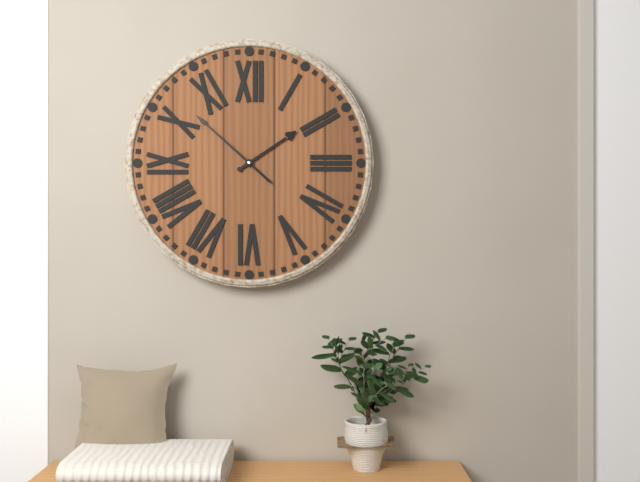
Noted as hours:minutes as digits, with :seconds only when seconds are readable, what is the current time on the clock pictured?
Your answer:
1:52
